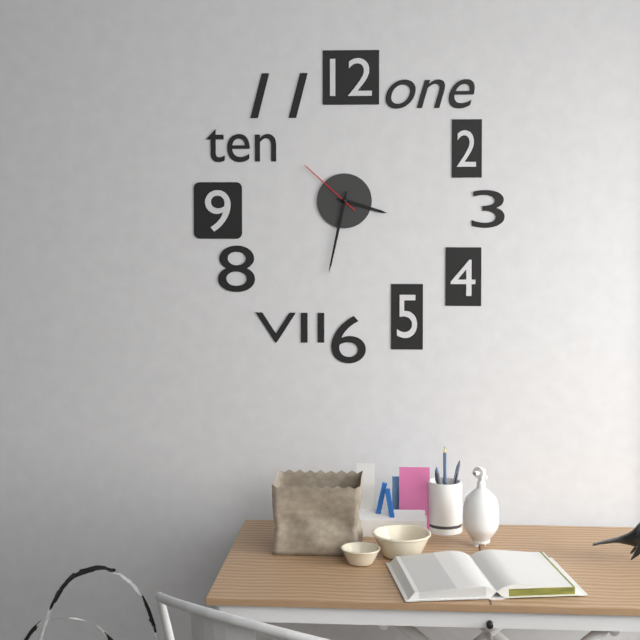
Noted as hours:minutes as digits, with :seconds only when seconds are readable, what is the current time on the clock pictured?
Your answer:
3:32:52
